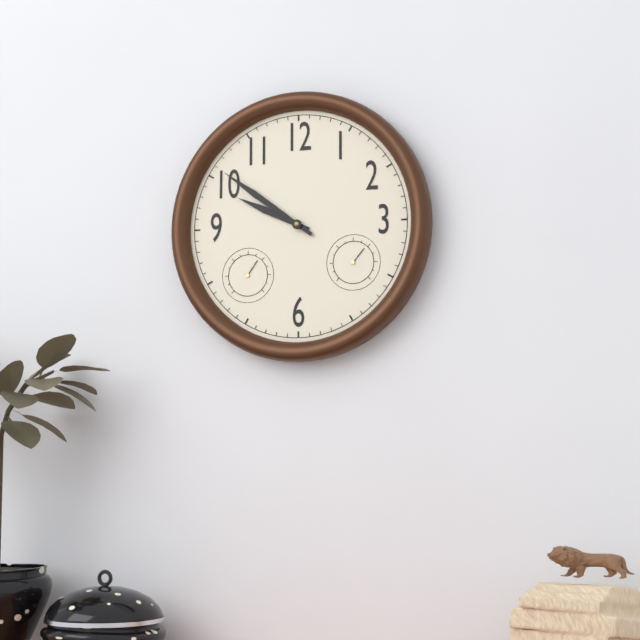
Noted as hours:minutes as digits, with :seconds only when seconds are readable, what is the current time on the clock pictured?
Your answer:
9:51
